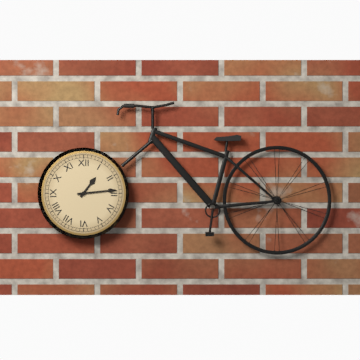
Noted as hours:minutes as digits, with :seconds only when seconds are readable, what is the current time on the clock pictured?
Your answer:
1:14
